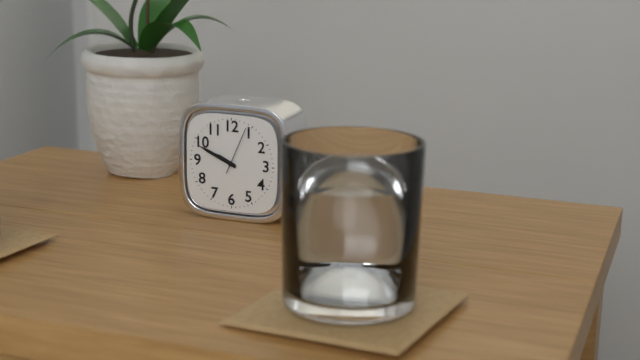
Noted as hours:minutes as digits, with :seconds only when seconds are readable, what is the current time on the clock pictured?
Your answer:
9:49
